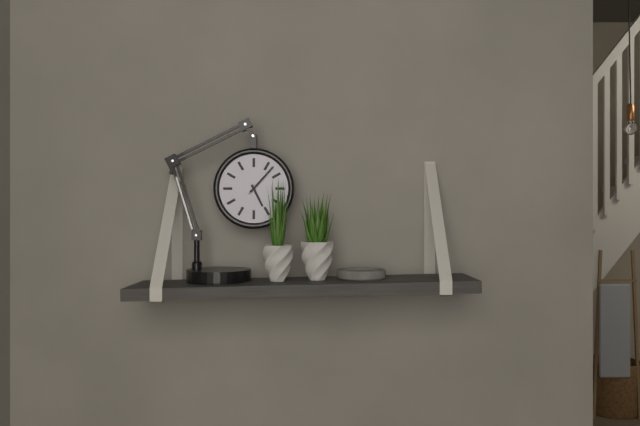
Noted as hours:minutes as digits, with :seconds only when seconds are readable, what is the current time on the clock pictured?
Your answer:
5:07
